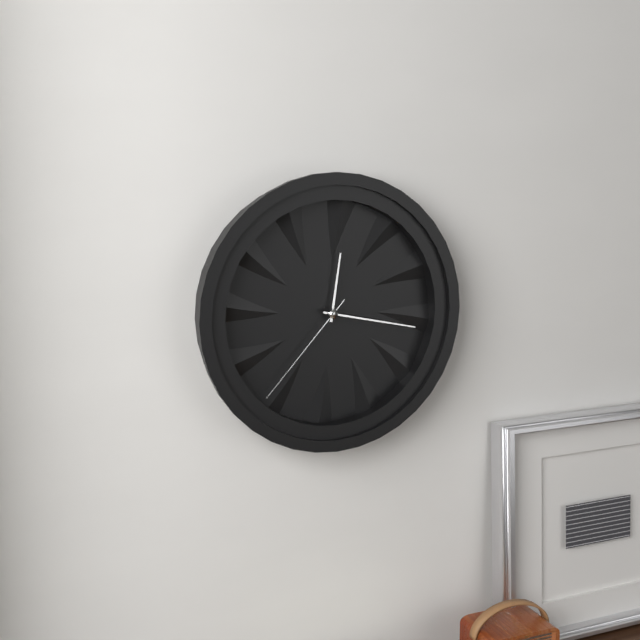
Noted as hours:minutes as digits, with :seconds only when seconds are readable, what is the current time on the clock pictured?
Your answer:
12:17:37
